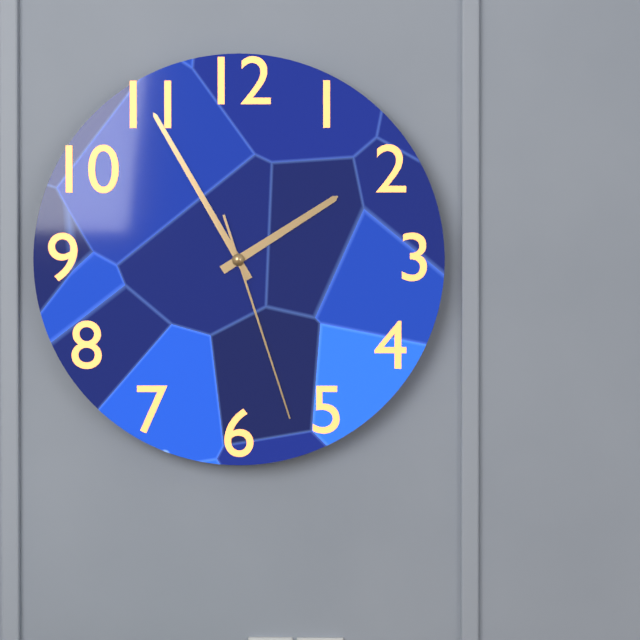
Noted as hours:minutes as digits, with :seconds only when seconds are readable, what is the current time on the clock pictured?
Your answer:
1:55:27
